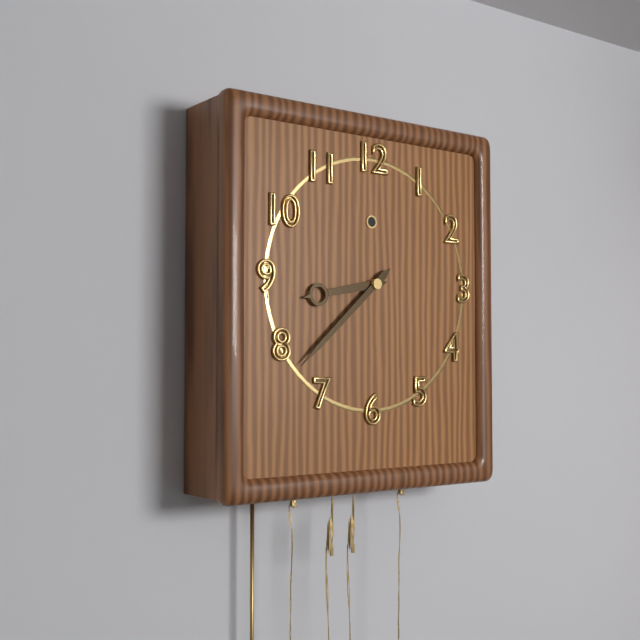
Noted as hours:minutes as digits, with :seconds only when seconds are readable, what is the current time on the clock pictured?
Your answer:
8:38
